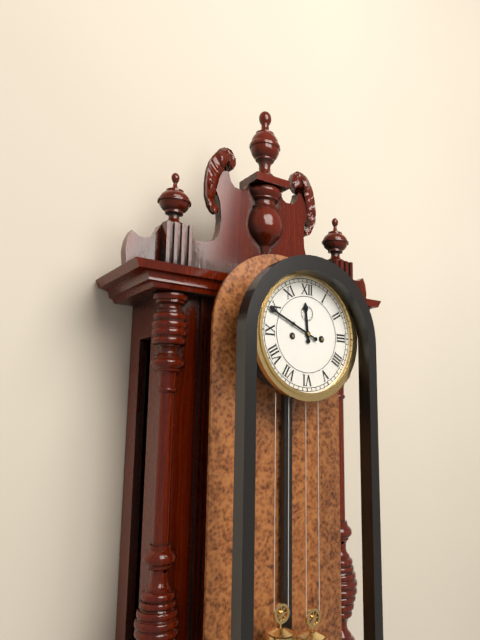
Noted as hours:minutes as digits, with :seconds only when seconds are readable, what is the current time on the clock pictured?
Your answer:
11:49
